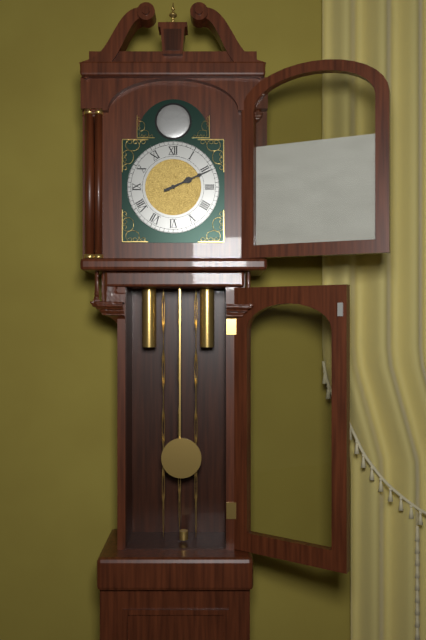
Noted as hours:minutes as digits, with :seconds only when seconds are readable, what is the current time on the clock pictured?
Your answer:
2:11
